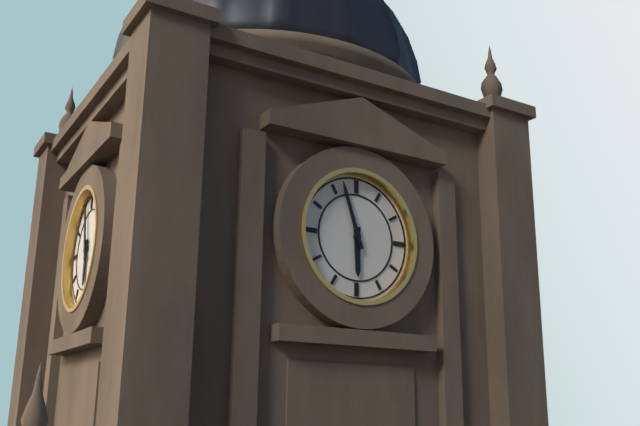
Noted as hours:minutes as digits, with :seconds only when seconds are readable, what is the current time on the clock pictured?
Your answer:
5:57
